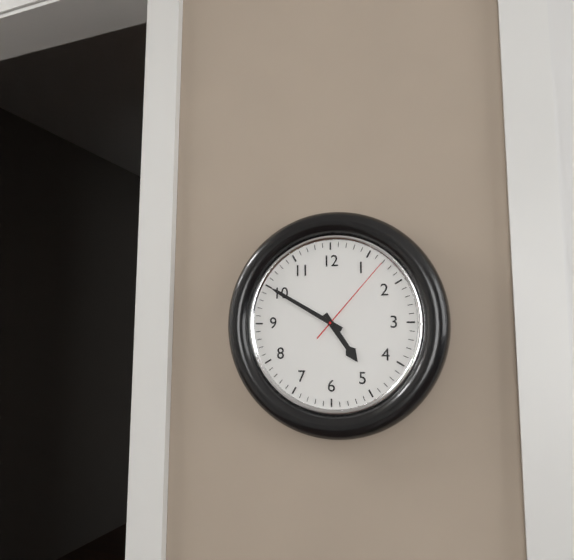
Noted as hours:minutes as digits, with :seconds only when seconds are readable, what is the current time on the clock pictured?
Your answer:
4:50:07
